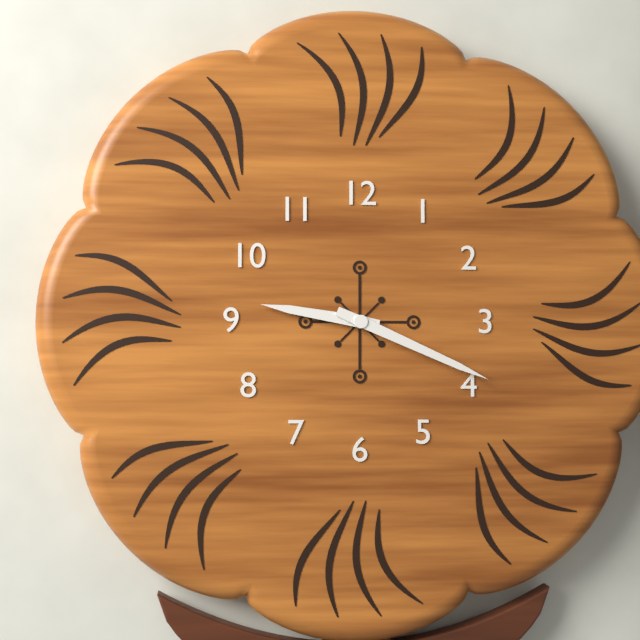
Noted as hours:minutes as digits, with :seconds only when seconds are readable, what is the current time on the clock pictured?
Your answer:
9:19
